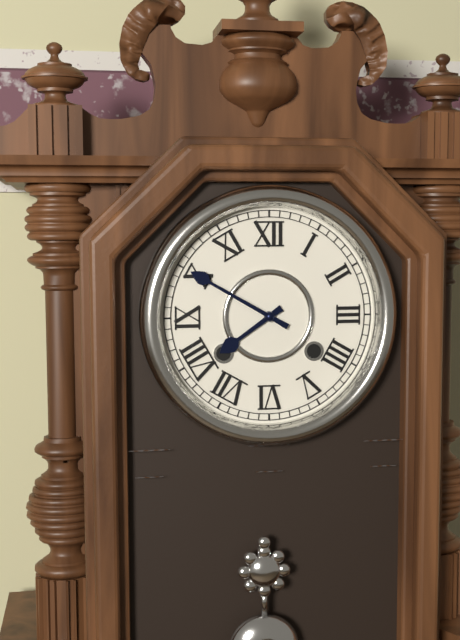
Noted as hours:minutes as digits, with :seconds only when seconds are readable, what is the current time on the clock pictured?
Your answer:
7:50
